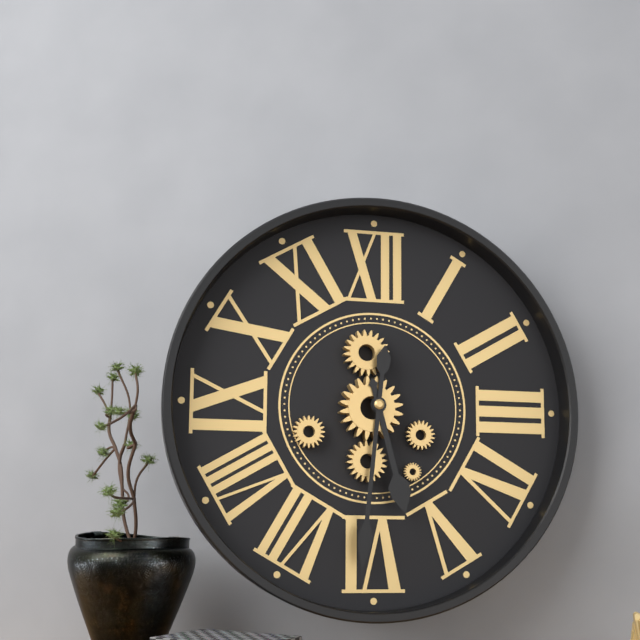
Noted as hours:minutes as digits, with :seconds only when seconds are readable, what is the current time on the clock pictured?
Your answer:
5:31
